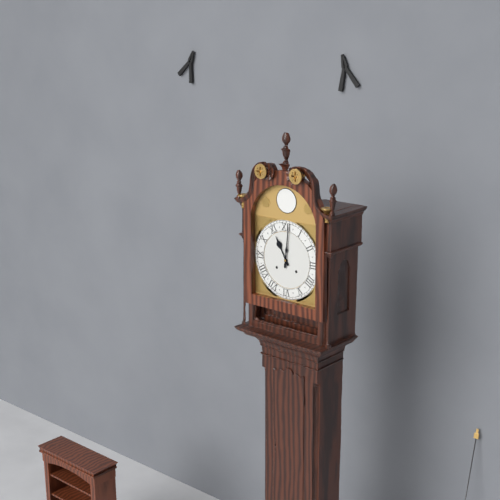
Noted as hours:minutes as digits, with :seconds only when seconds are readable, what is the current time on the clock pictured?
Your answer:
11:01
